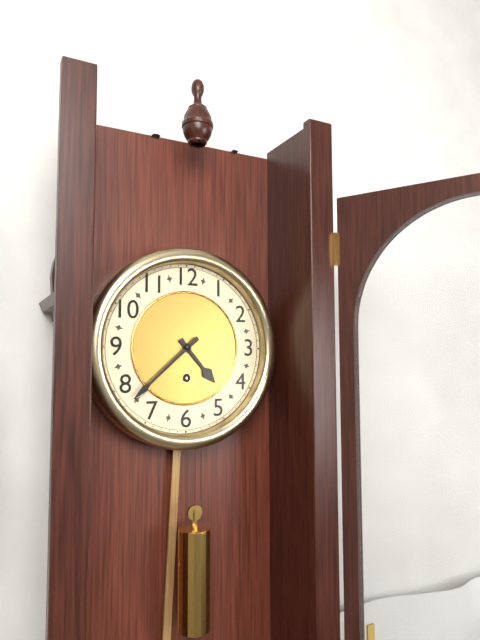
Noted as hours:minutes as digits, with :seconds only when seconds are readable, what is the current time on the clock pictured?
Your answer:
4:38
